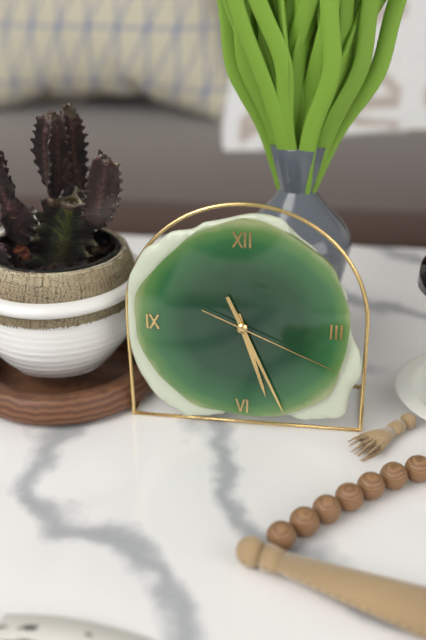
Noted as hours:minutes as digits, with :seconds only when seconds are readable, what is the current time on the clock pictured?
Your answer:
5:26:19
